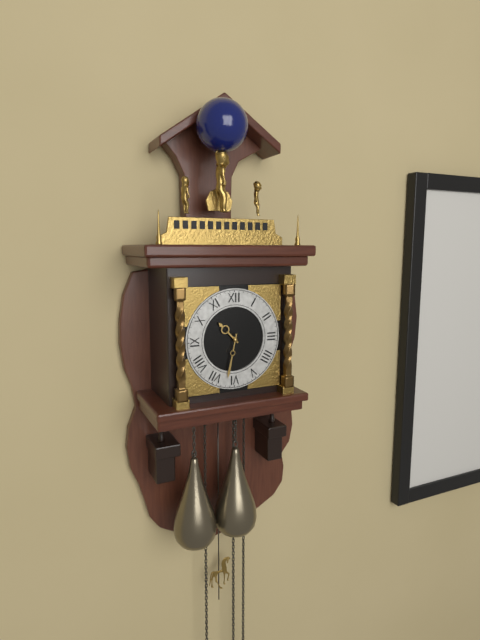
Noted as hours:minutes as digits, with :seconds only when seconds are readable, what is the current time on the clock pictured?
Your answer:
10:32
